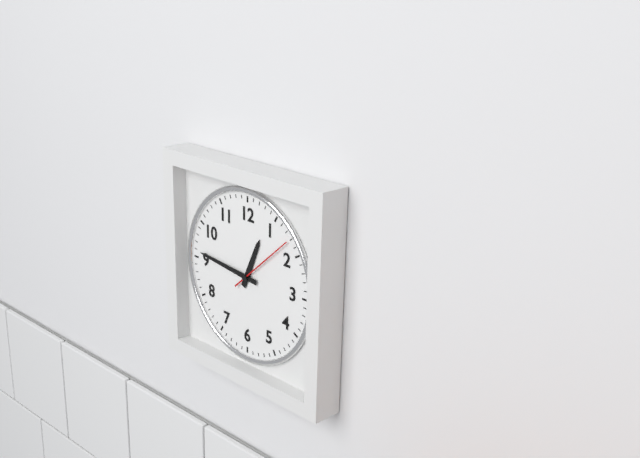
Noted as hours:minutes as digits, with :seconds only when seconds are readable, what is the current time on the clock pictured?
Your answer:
12:46:08
